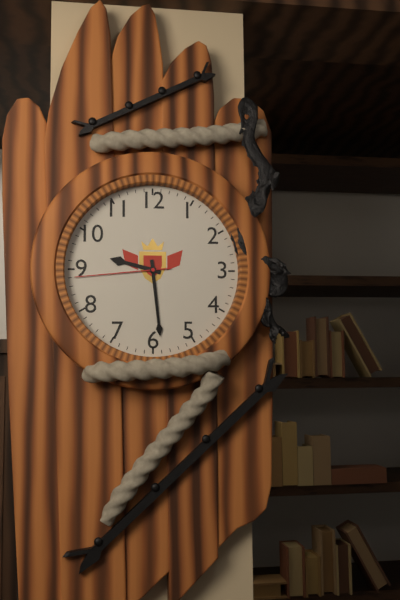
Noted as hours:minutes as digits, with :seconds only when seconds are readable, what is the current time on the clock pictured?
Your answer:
9:29:44
